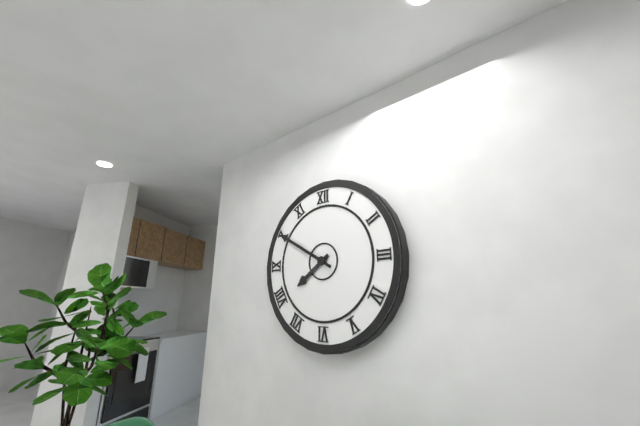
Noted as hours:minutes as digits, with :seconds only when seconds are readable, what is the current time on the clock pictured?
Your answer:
7:50
